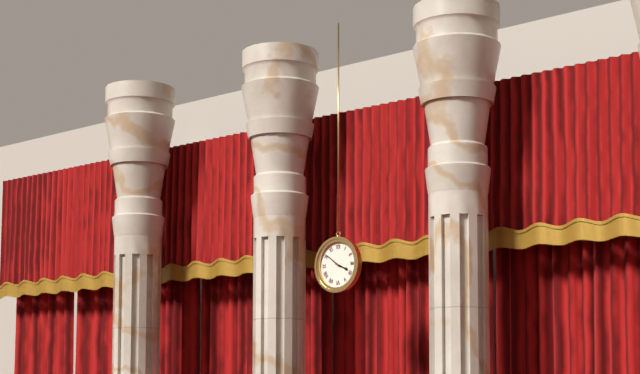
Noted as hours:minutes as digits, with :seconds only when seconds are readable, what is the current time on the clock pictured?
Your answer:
3:51
